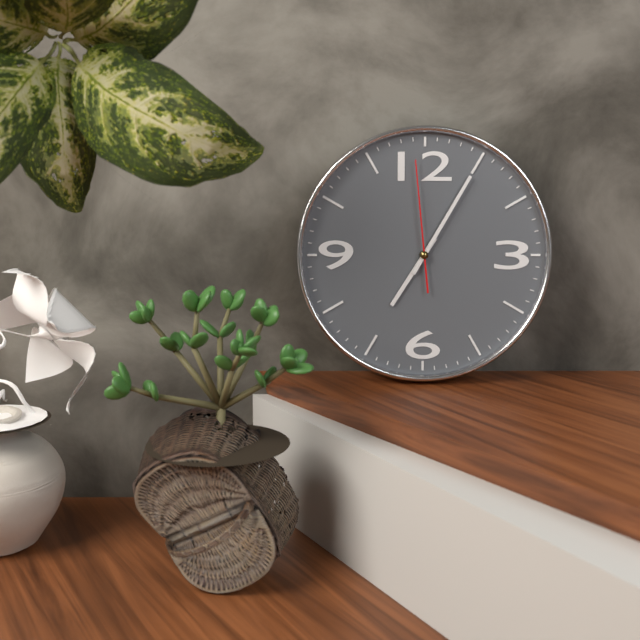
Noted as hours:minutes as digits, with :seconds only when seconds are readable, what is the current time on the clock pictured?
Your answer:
7:05:59
